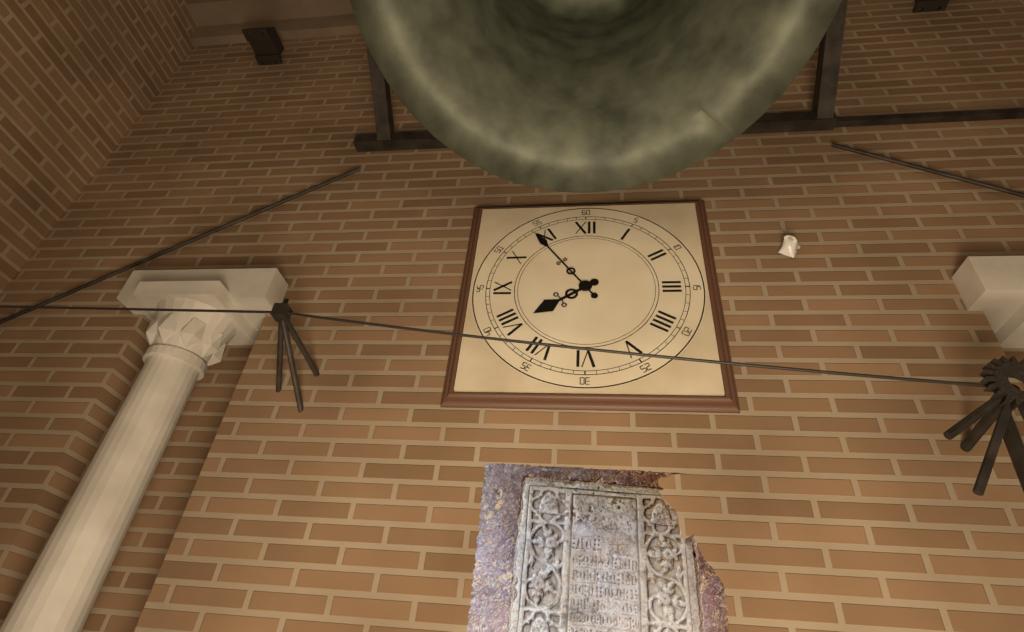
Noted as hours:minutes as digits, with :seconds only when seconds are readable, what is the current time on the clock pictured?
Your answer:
7:54
